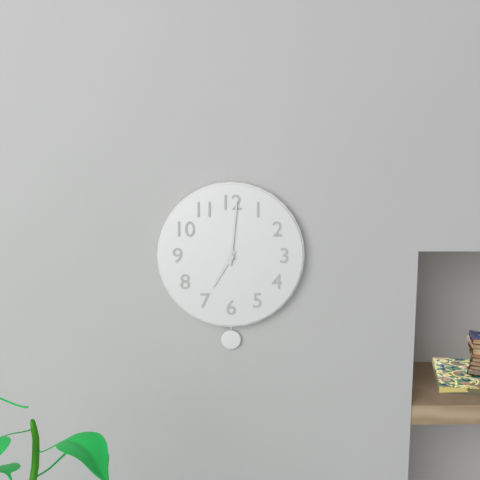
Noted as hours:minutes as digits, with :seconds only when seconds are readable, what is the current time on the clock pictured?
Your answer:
7:01
